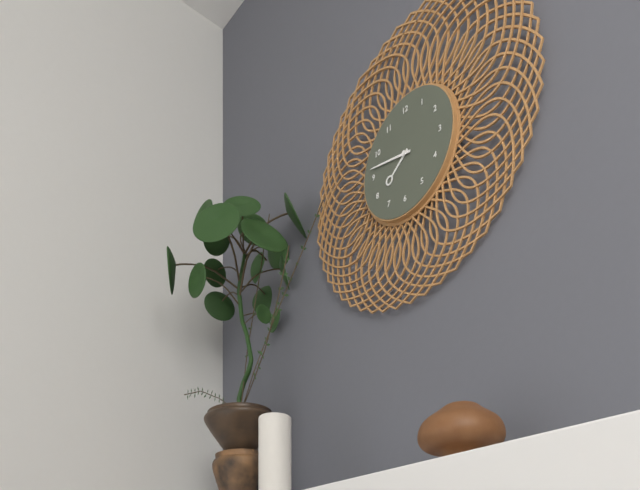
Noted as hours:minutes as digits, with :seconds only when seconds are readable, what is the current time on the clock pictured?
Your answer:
7:47
